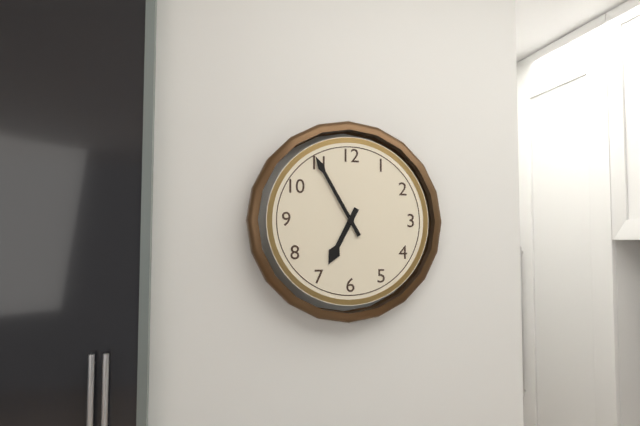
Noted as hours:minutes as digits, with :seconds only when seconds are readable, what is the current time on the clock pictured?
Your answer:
6:55
